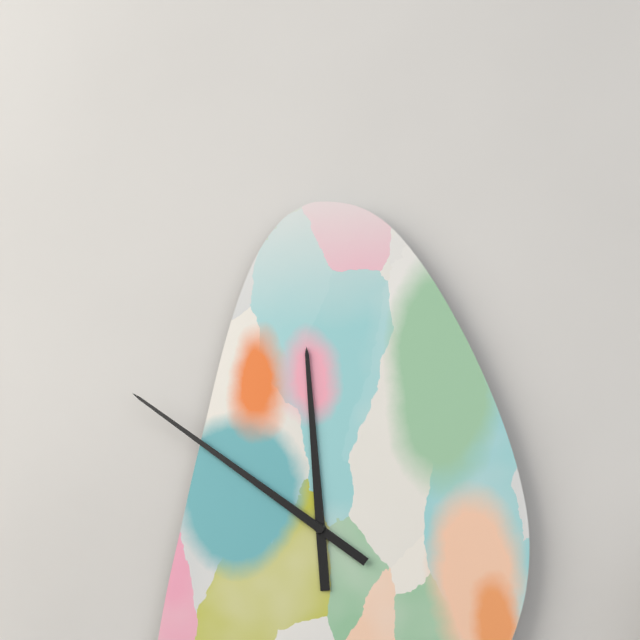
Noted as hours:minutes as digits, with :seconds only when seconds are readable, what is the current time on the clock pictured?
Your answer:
11:51
